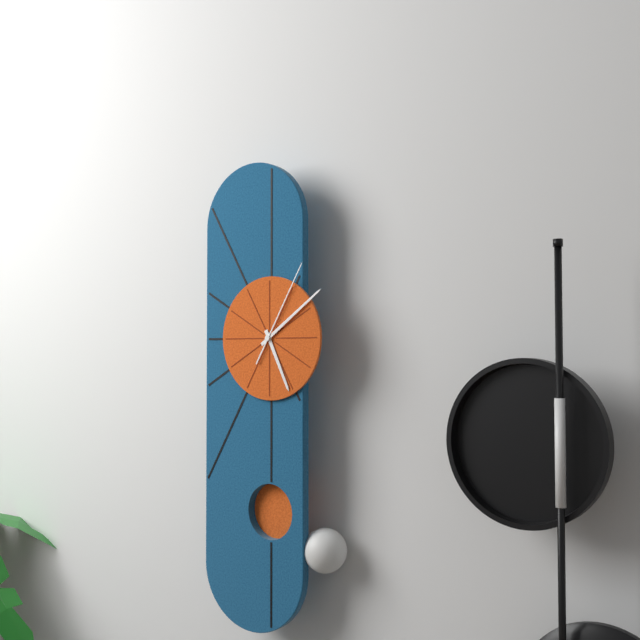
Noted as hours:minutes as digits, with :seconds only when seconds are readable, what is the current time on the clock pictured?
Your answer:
5:09:05
